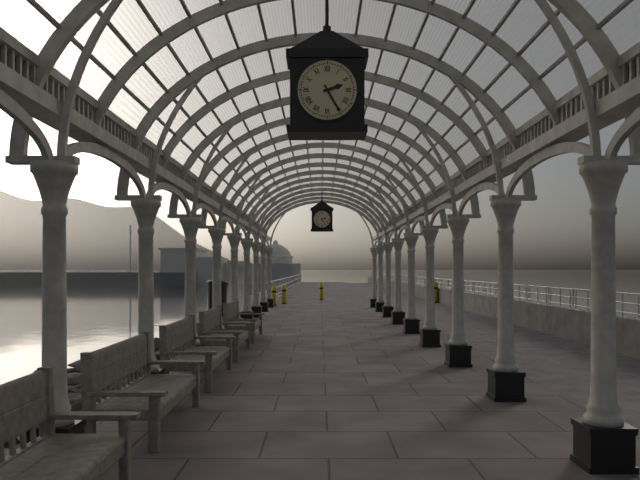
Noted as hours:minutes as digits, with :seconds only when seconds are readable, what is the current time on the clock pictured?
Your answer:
2:25
